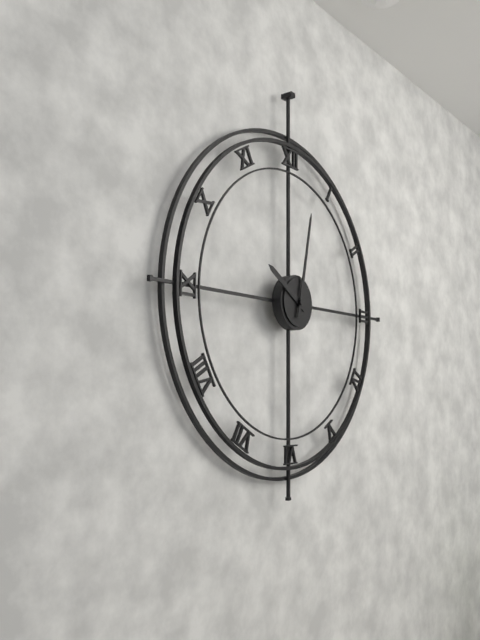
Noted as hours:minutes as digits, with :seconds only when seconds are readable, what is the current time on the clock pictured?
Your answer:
10:02
